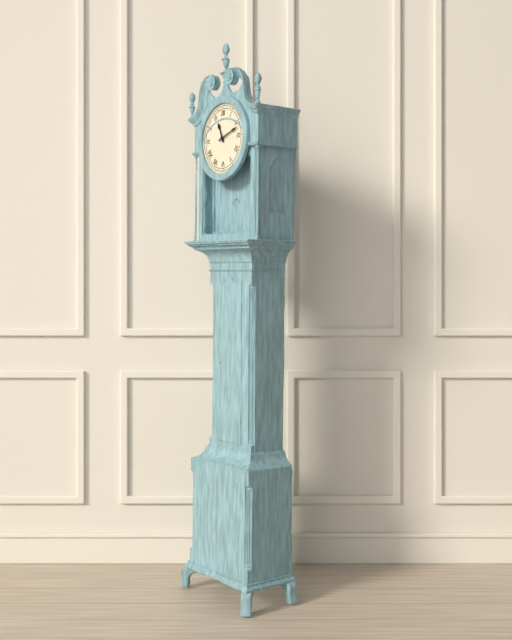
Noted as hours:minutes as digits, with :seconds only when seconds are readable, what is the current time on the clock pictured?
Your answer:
11:12
